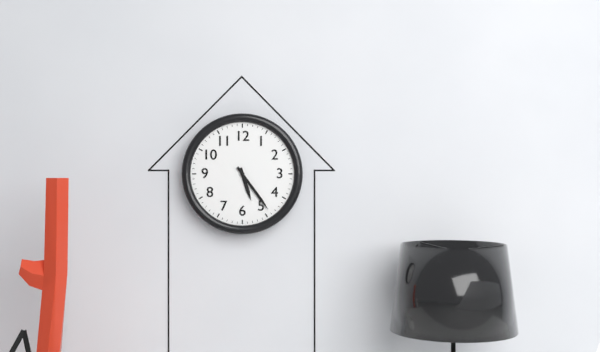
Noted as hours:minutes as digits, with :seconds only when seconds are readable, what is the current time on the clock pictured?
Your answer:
5:24
